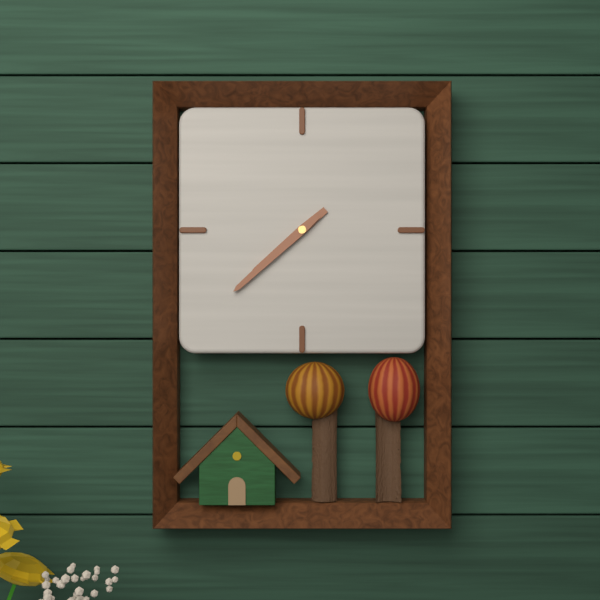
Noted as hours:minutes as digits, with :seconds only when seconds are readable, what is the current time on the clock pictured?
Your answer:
7:38
